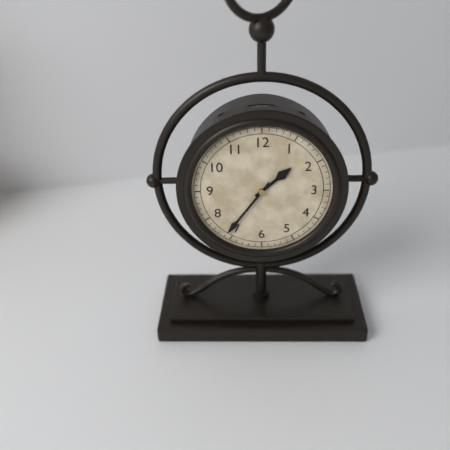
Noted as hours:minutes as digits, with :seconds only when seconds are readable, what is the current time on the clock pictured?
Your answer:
1:36
